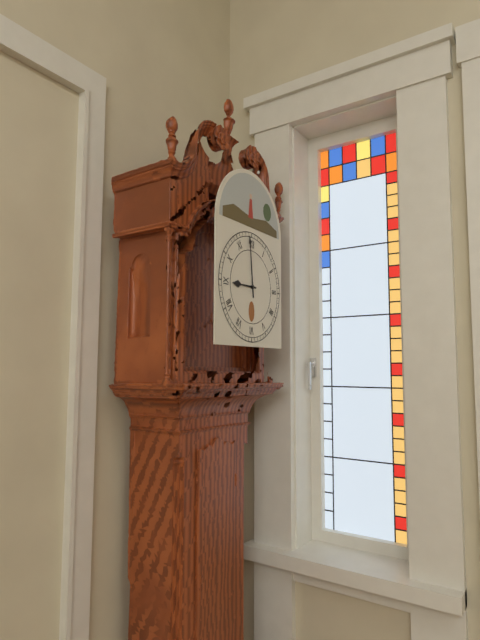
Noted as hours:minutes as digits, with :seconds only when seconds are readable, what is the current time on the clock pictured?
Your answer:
8:59
